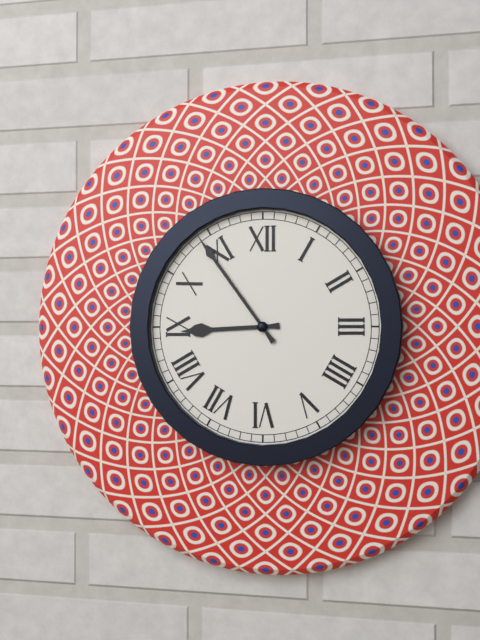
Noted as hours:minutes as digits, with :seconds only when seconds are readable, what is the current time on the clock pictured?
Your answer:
8:54
